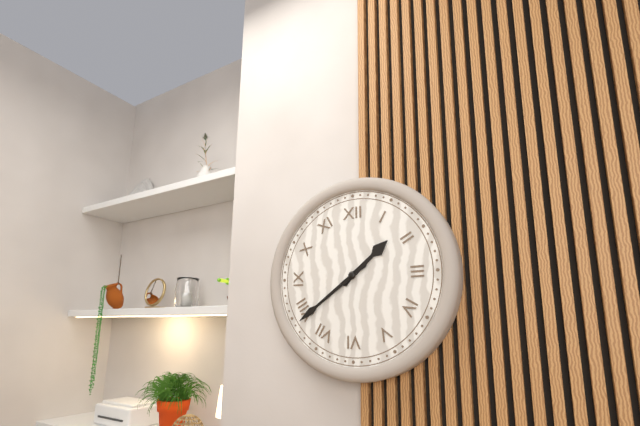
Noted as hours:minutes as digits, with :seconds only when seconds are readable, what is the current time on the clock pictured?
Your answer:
1:39
